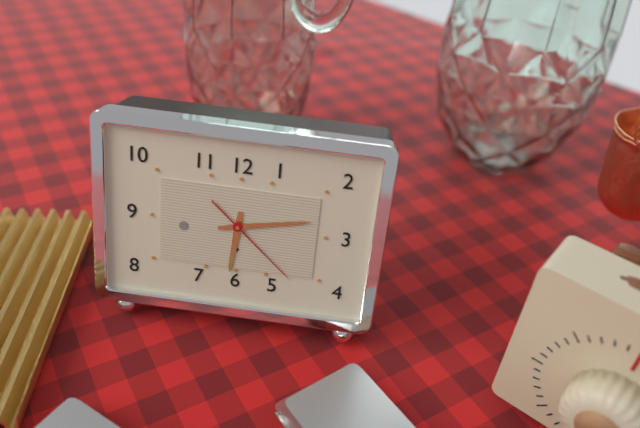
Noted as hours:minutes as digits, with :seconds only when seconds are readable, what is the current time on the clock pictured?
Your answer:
6:13:22
